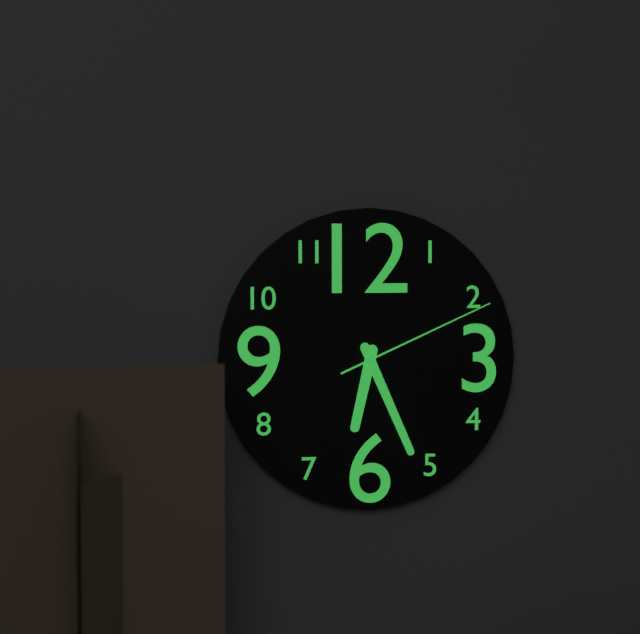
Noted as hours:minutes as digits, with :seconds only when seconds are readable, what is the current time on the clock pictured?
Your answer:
6:26:11
